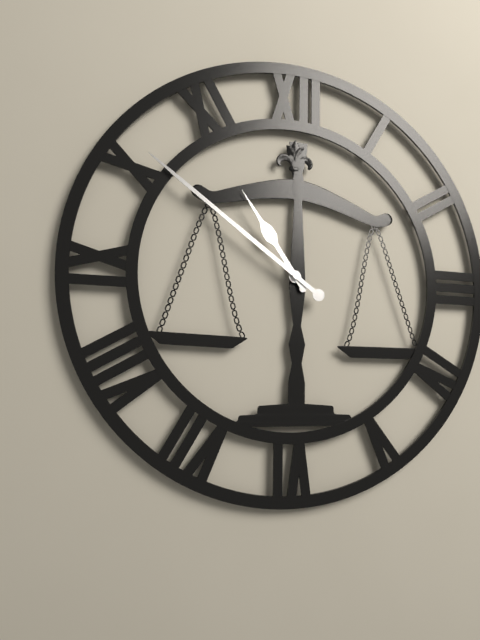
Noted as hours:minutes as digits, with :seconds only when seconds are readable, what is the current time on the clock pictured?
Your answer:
10:51
